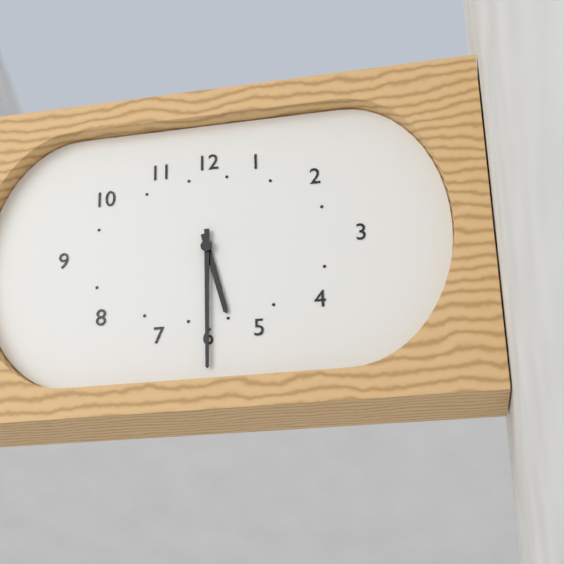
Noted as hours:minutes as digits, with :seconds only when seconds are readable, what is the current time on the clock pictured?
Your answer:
5:30
